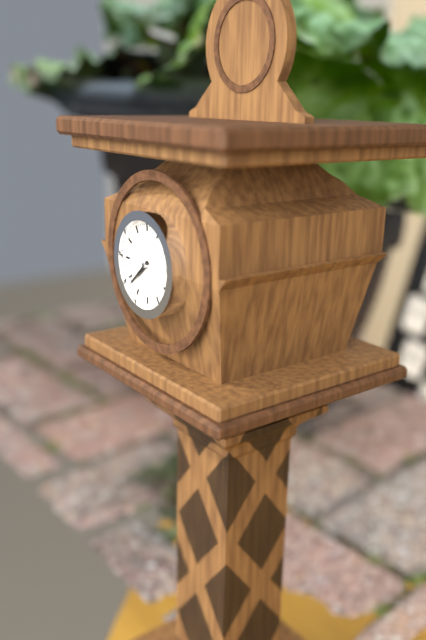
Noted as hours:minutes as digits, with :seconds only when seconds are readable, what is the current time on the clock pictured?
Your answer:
7:38
